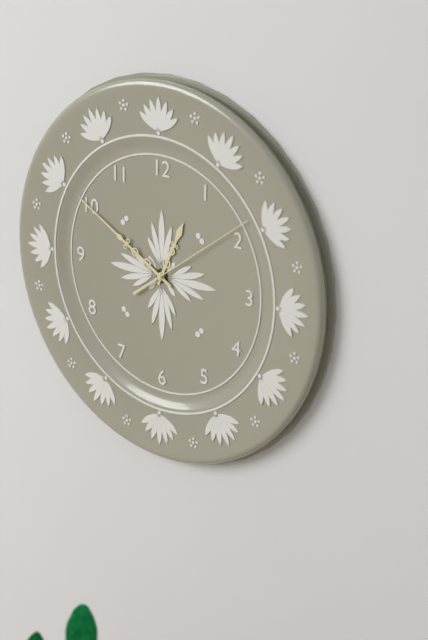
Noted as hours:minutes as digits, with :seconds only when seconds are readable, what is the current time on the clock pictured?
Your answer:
12:50:09
